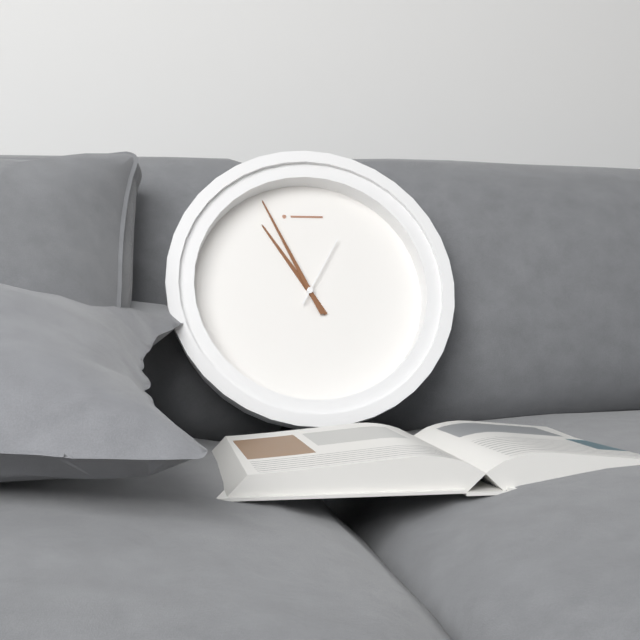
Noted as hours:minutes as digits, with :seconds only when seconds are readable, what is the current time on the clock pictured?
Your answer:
10:56:05
